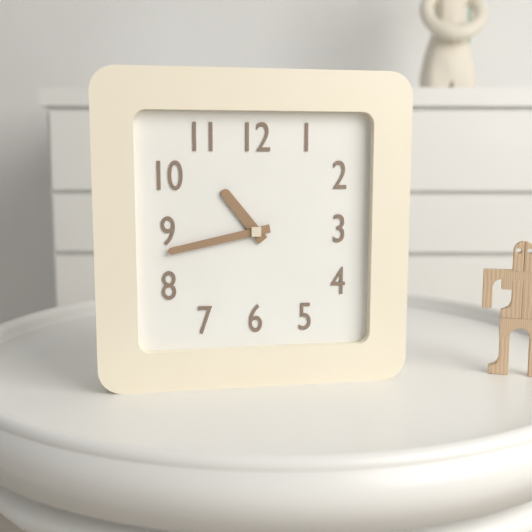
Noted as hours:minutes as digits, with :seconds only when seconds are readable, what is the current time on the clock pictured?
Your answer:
10:43
